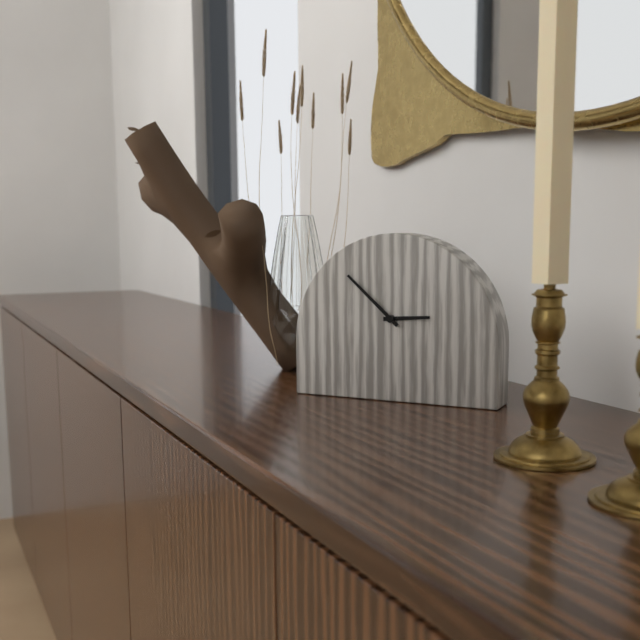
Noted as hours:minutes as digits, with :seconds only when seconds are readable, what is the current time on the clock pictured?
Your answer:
2:52
